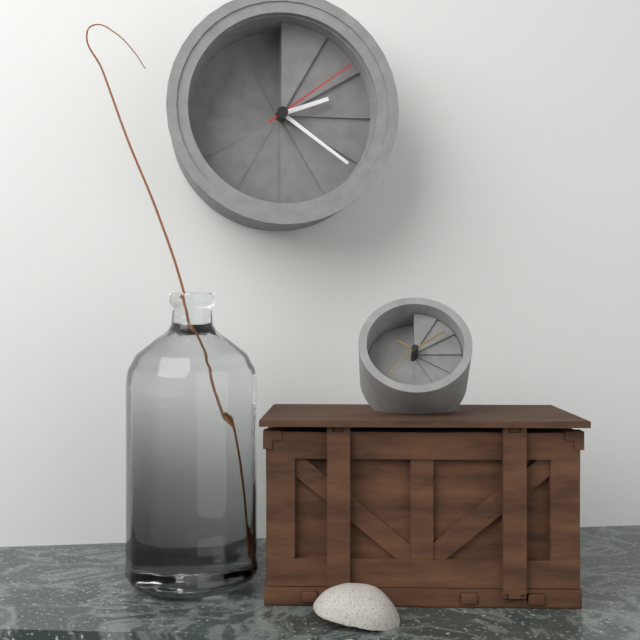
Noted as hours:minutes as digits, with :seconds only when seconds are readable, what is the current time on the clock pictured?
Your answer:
2:21:09
